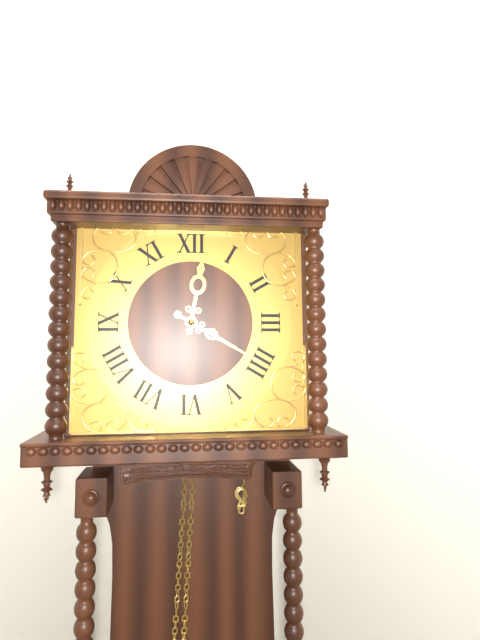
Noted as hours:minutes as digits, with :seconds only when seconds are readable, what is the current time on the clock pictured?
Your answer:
12:20
